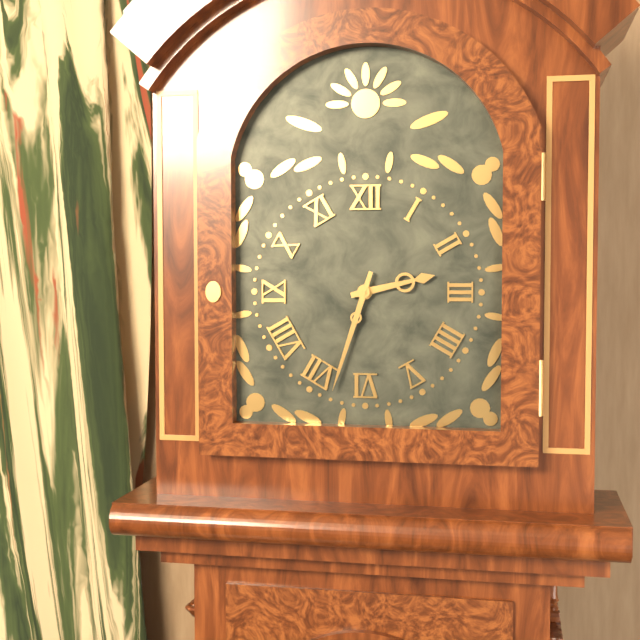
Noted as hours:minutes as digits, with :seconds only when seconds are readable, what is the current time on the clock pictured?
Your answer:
2:33
